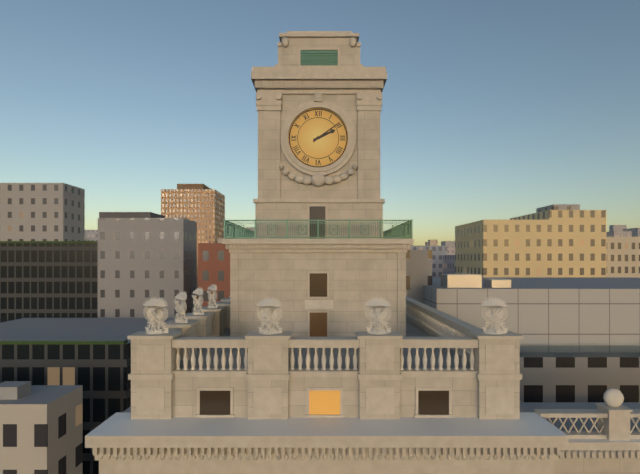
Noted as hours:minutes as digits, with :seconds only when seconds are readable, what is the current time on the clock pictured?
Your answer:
2:09
